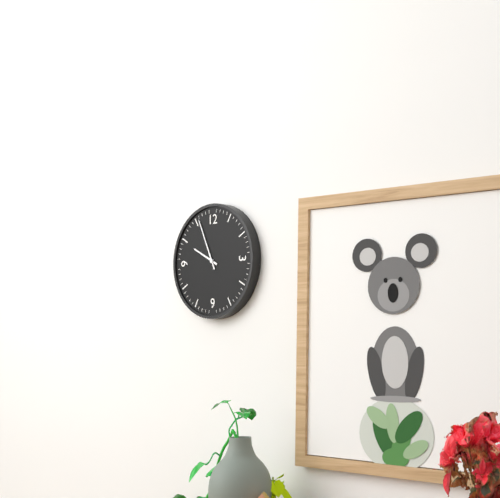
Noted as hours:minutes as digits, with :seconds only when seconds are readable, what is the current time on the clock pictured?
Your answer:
9:56
